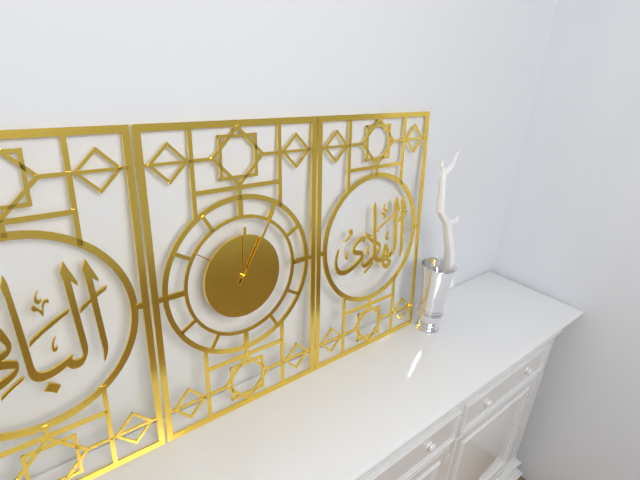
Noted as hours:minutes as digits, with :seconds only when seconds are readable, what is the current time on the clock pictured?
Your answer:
12:05:51
